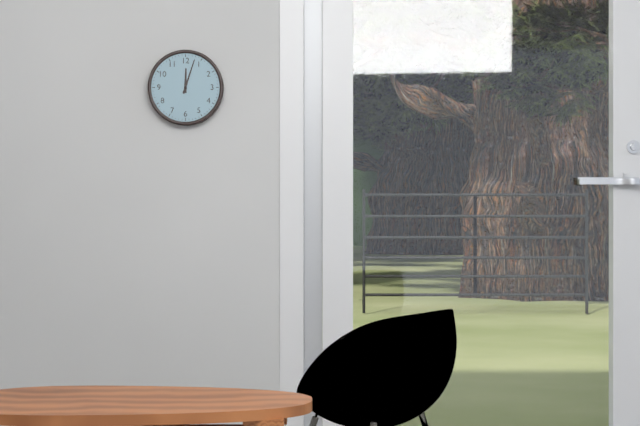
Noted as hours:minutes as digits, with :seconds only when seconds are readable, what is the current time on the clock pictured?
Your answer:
12:03
